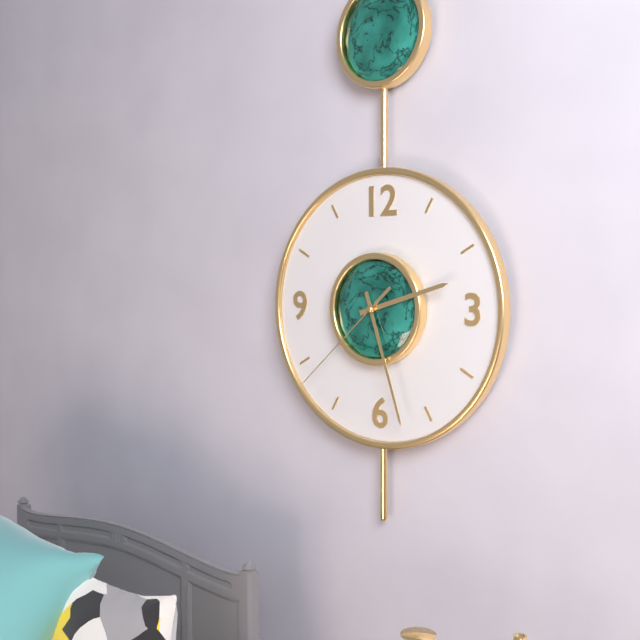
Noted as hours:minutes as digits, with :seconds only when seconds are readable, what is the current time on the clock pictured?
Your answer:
2:27:38
